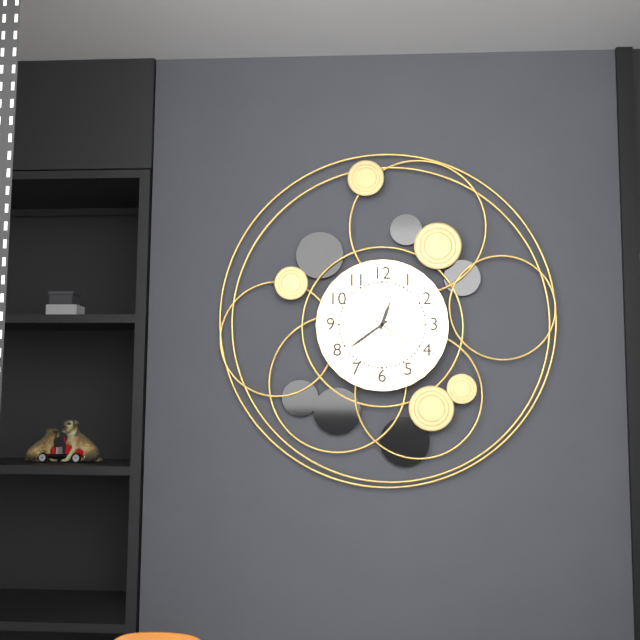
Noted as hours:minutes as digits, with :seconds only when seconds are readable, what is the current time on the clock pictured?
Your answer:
12:39:21
